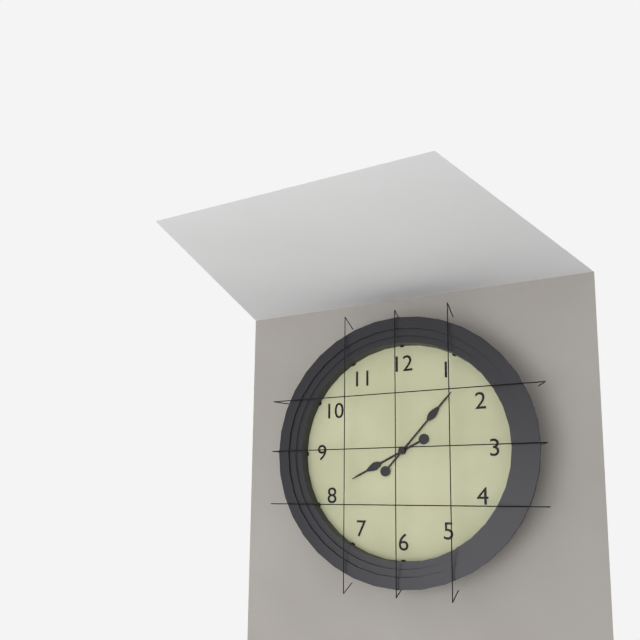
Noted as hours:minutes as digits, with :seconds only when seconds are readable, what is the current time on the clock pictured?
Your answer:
8:07
